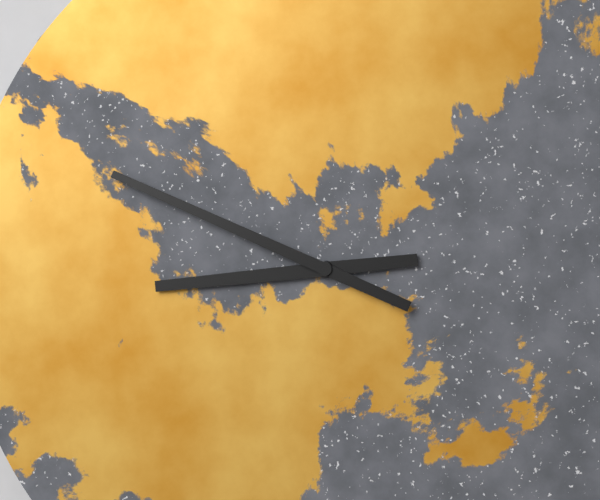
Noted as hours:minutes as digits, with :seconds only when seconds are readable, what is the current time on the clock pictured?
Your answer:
8:49
